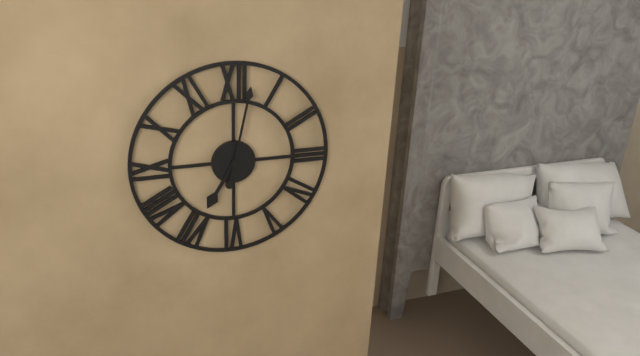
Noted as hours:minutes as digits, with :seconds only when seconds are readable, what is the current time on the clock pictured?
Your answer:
7:02
